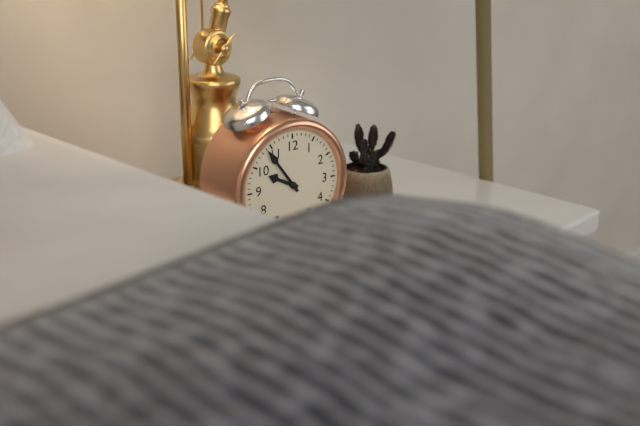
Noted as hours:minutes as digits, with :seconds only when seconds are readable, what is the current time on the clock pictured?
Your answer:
9:54
